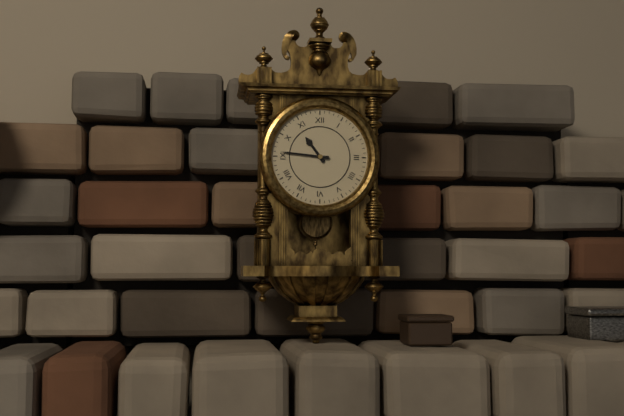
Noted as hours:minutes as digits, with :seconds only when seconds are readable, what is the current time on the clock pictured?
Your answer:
10:46
